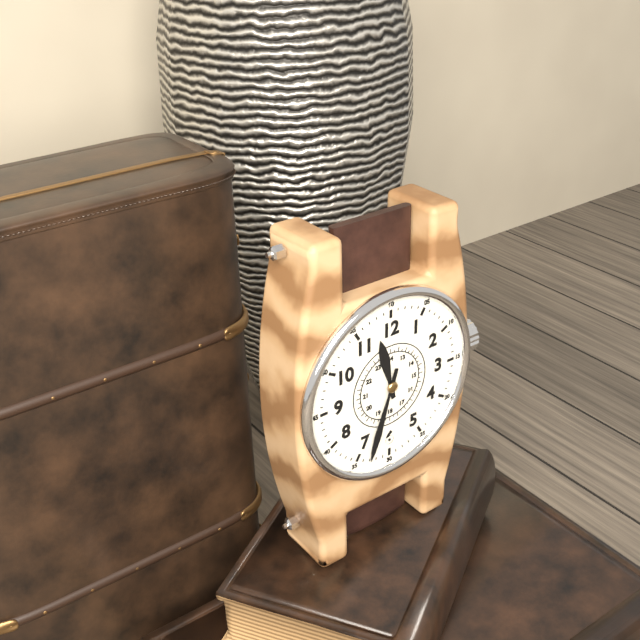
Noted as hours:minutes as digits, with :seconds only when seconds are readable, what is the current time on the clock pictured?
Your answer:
11:33
